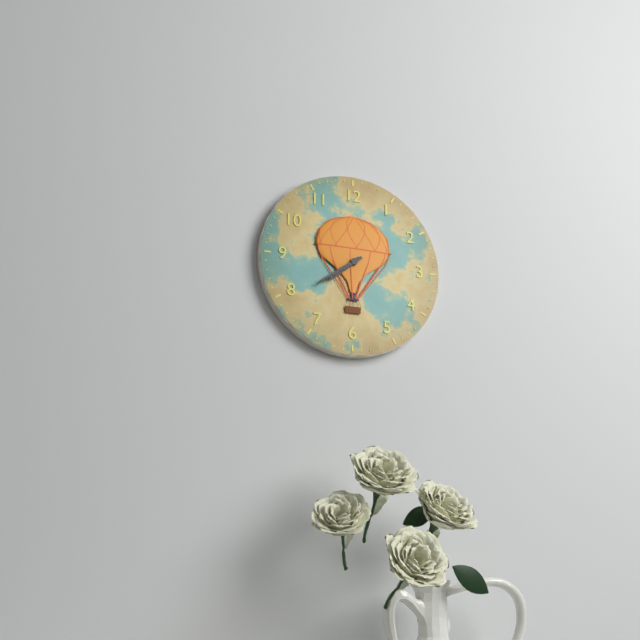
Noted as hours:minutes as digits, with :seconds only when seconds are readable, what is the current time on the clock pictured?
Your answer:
7:39
